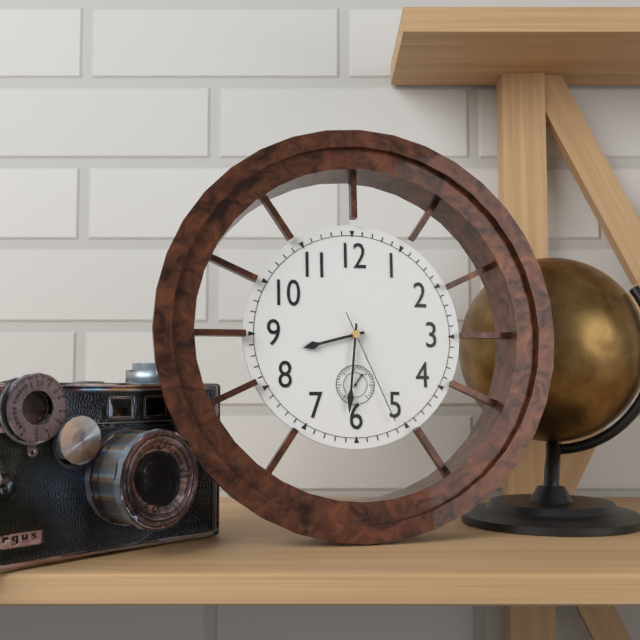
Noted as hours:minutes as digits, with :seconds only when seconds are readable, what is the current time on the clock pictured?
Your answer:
8:31:26
